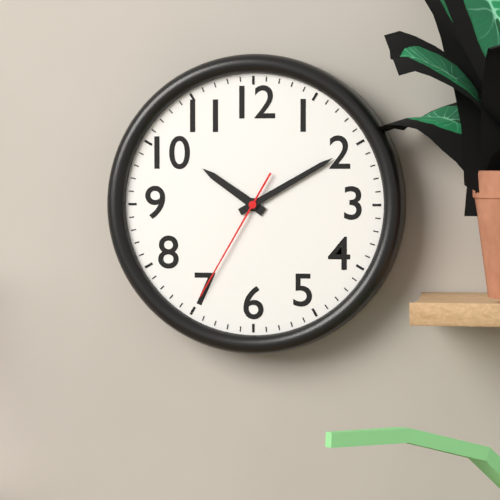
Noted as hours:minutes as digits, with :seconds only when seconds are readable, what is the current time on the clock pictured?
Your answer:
10:10:35
